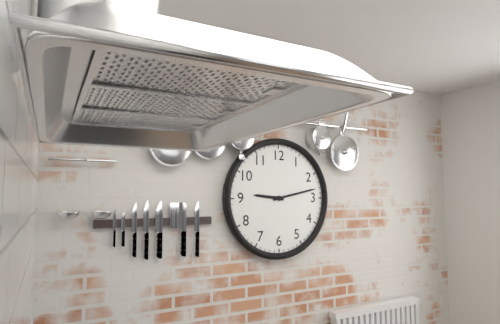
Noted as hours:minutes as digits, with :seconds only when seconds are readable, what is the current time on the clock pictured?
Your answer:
9:13
